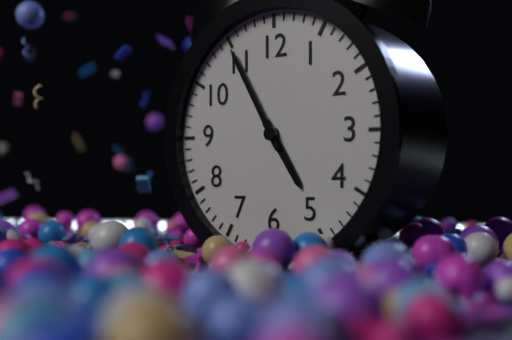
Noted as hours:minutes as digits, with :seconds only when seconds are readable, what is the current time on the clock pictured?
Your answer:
4:55
